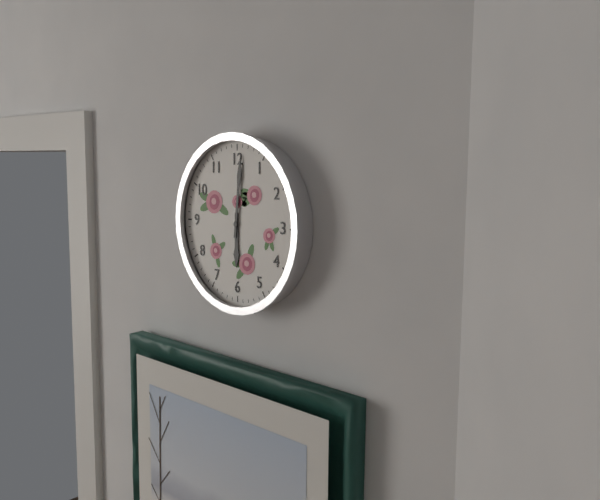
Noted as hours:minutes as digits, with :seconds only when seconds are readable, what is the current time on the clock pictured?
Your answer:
6:01
